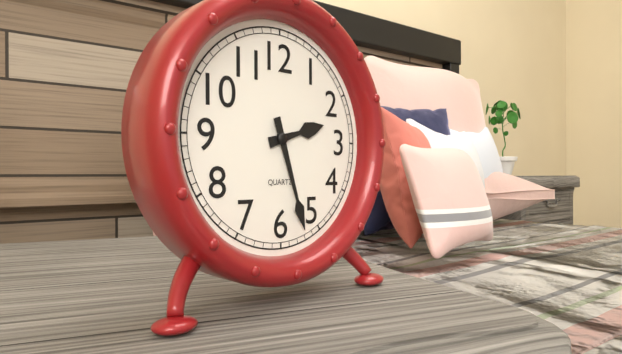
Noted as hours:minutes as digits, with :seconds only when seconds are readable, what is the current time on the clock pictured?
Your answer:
2:27
